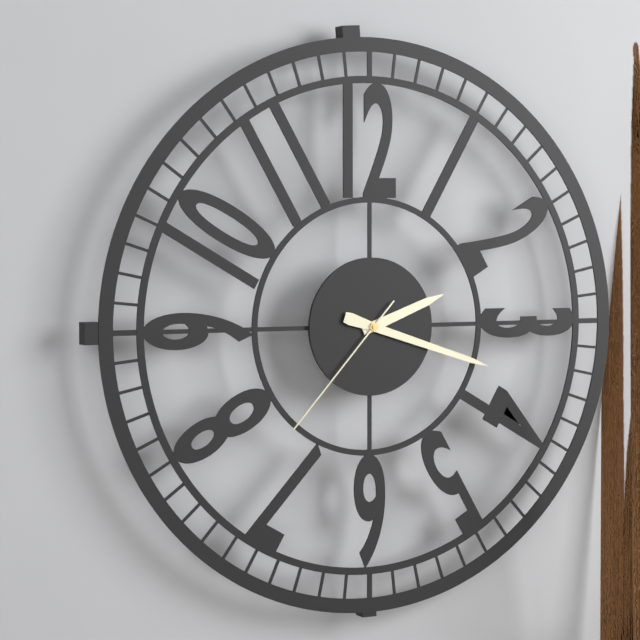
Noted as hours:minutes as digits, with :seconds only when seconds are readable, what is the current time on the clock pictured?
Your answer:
2:18:37
